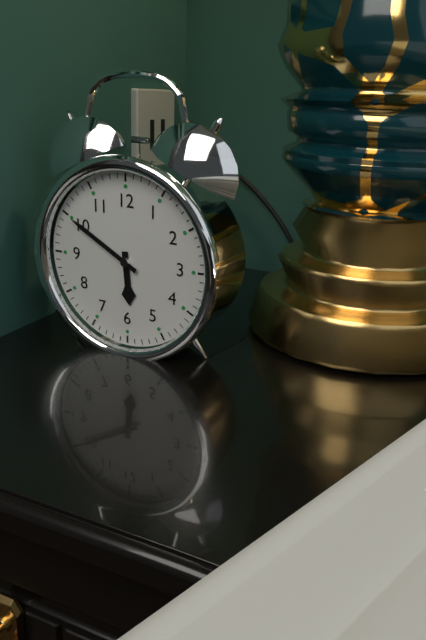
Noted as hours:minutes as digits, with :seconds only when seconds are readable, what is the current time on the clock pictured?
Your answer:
5:50
